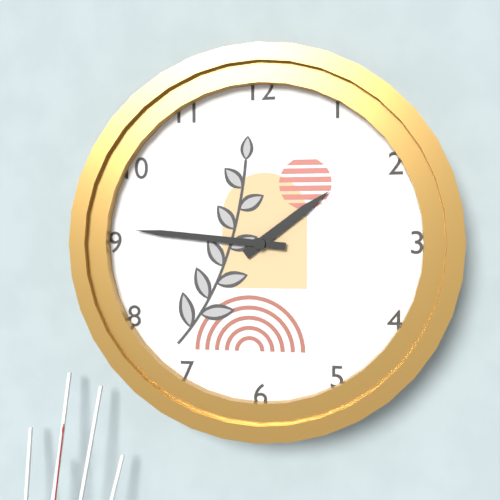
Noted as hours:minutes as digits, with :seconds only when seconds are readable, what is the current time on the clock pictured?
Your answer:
1:46
